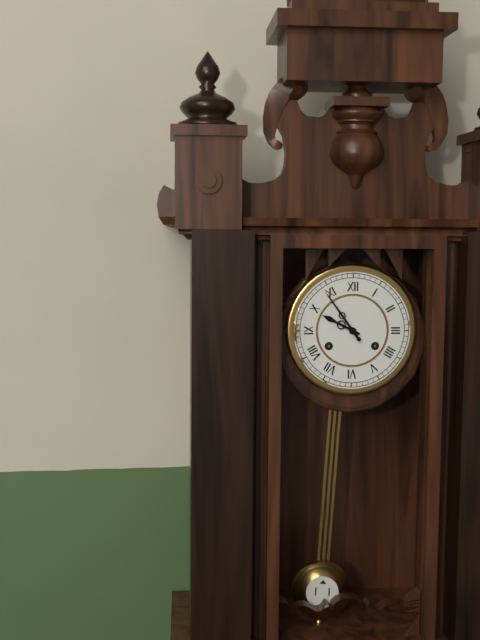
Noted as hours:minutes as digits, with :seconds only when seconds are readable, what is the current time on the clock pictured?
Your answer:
9:54
